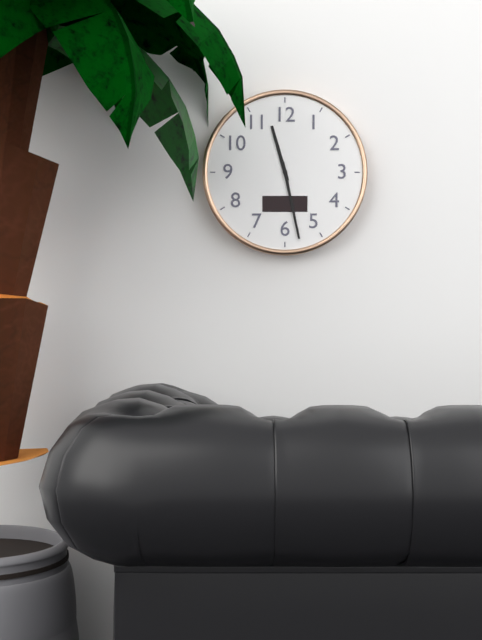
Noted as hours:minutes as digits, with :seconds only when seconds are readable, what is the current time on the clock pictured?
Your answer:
11:28
